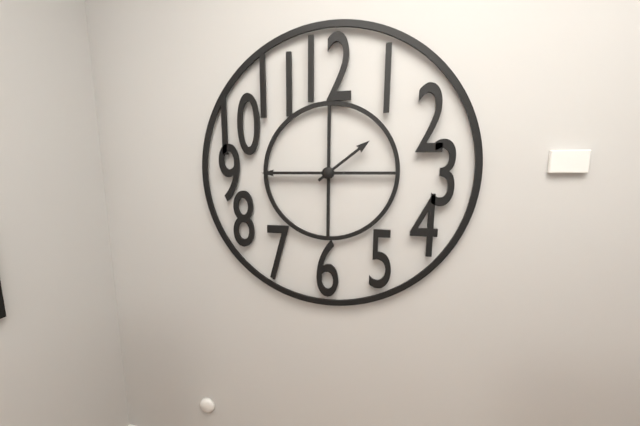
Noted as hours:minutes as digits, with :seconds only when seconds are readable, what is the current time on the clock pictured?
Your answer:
1:45
